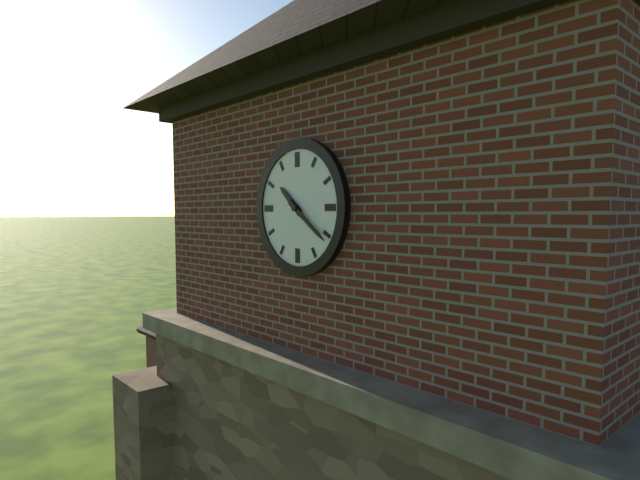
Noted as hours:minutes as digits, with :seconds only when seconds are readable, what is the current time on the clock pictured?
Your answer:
10:21
